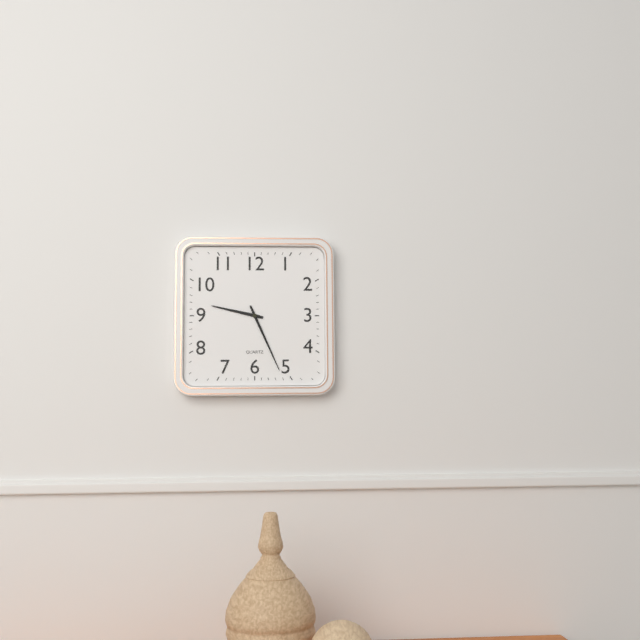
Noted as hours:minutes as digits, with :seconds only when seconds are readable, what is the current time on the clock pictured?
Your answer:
9:26
